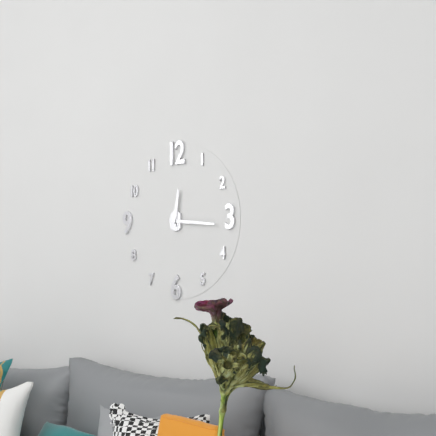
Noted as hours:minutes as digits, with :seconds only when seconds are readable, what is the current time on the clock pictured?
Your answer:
12:16
